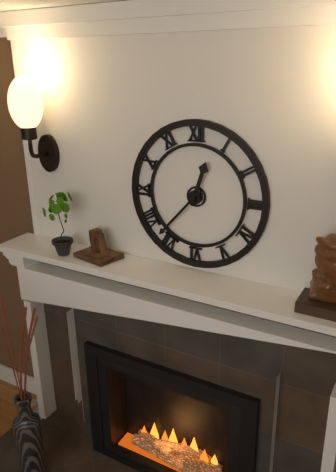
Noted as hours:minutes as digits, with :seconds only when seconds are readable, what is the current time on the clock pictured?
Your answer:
12:37
